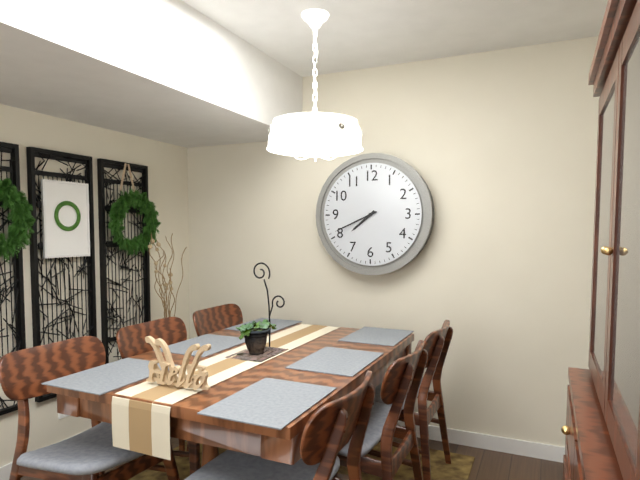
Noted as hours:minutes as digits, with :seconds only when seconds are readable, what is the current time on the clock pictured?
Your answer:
7:41
